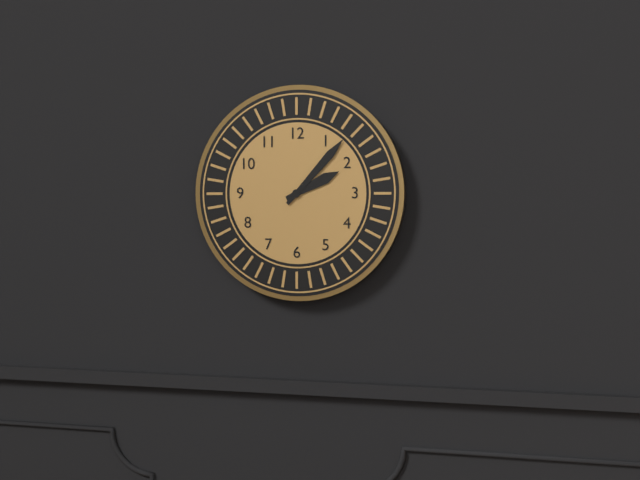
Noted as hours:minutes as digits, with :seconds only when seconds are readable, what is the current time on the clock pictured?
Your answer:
2:07
